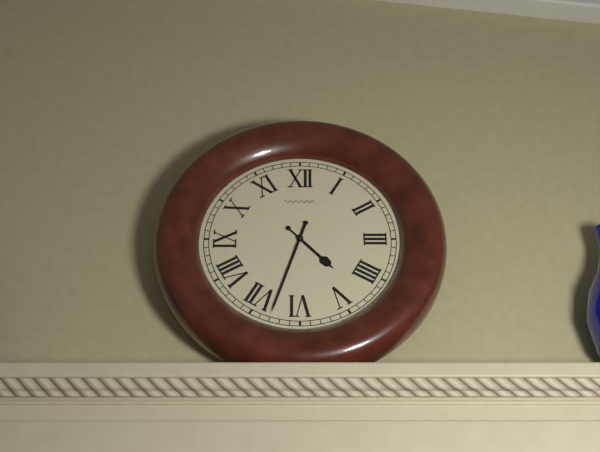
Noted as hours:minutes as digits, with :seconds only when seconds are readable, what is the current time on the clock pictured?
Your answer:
4:33
